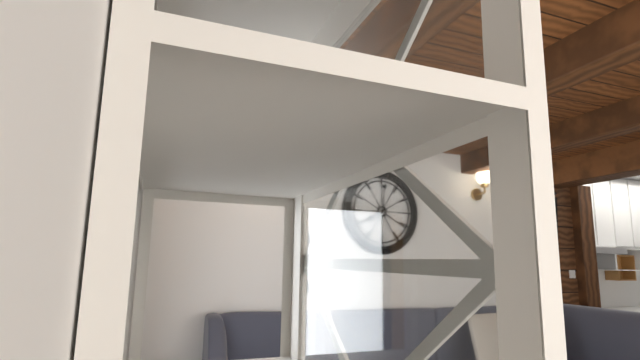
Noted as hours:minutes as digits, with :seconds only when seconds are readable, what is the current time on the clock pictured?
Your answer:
8:01
